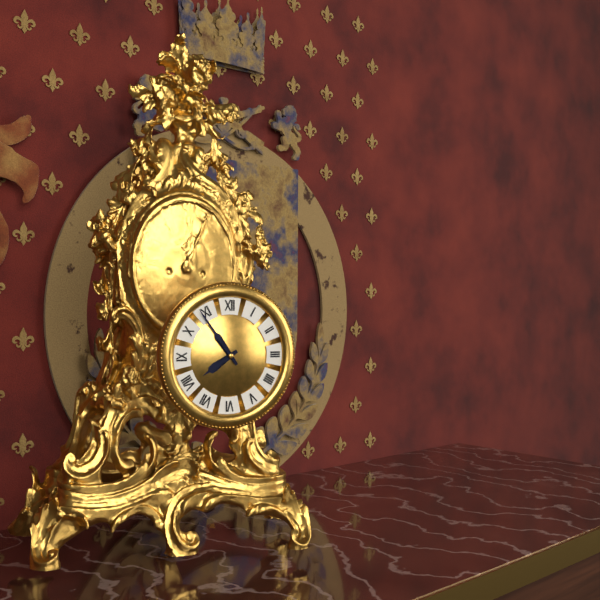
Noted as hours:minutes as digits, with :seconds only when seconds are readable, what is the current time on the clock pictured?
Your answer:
7:54
